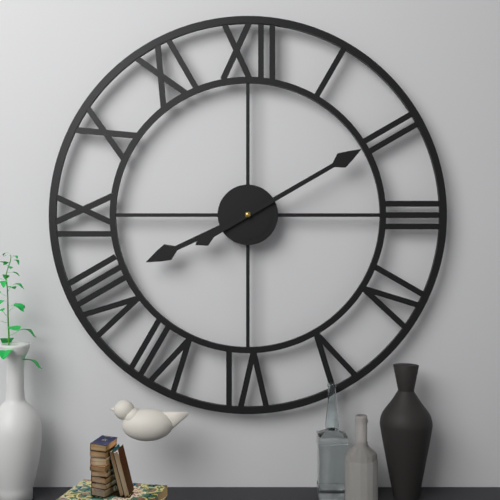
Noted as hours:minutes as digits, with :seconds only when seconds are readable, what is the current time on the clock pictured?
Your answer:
8:10
